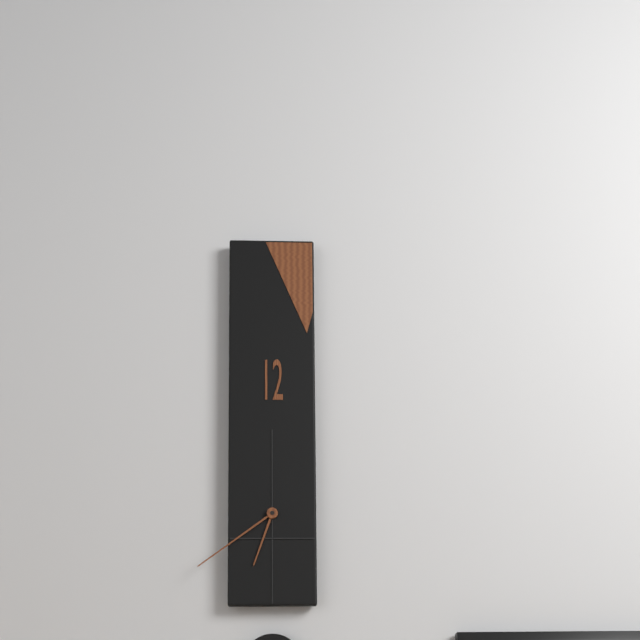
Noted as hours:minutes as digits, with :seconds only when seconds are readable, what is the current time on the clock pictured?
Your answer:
6:39
